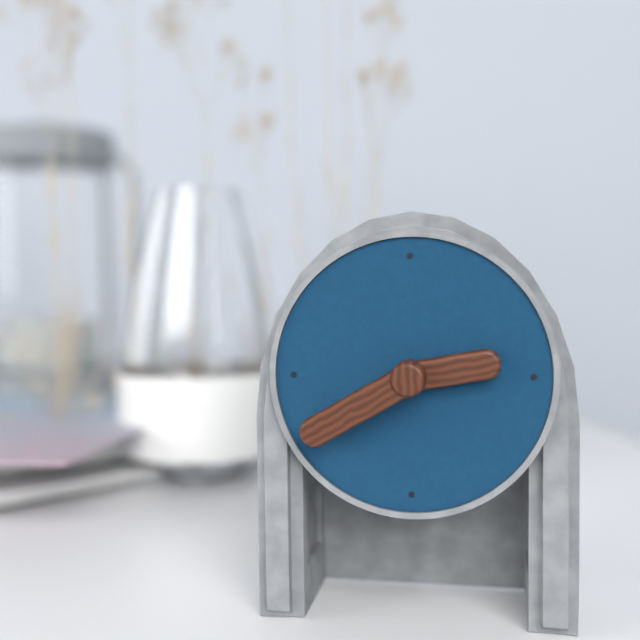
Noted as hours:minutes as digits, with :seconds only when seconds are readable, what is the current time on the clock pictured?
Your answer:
2:40
